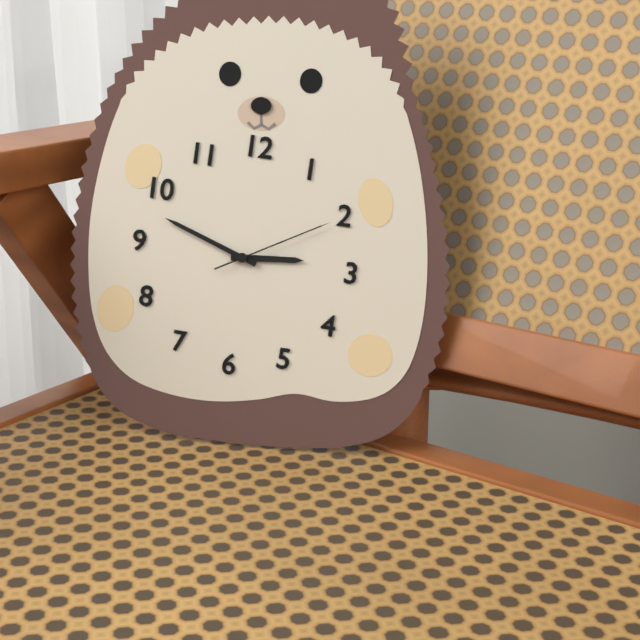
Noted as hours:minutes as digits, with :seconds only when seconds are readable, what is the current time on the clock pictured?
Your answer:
2:48:10
